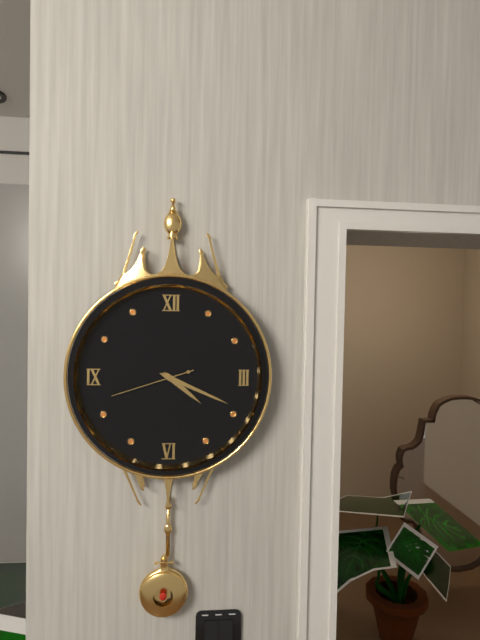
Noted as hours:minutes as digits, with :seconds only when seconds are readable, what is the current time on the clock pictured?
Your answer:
4:19:42
